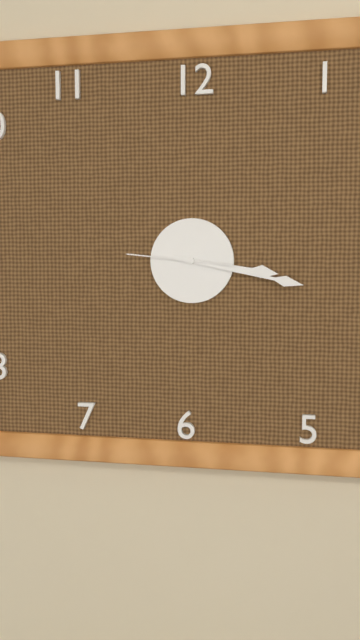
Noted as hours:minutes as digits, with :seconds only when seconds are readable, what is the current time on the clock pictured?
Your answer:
3:17:46
